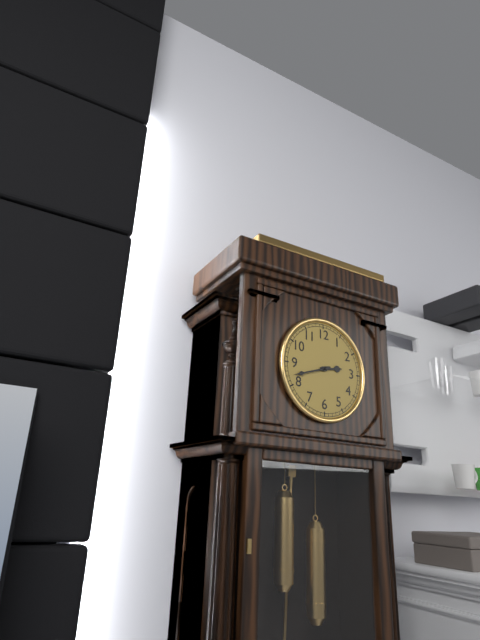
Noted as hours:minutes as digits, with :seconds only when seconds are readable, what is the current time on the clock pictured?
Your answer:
2:42
